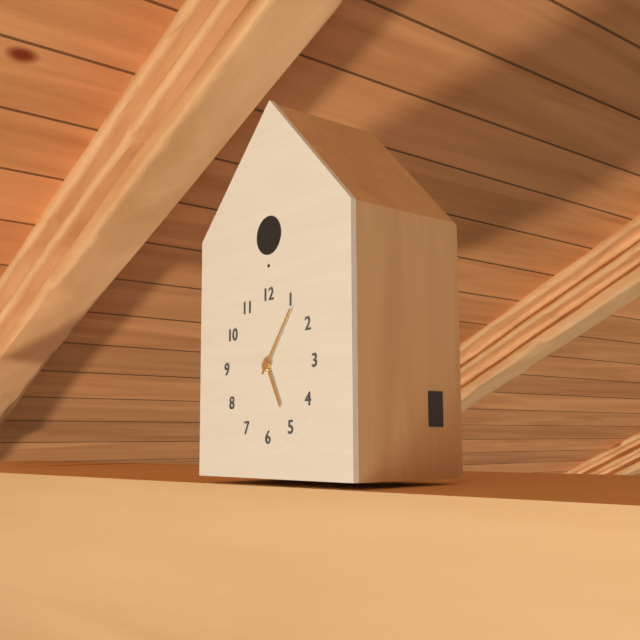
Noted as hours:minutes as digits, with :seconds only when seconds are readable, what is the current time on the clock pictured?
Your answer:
5:06
